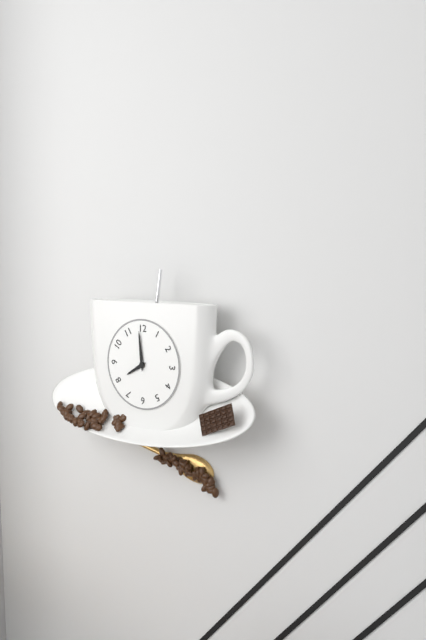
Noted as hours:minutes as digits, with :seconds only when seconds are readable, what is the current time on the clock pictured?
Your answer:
7:59
